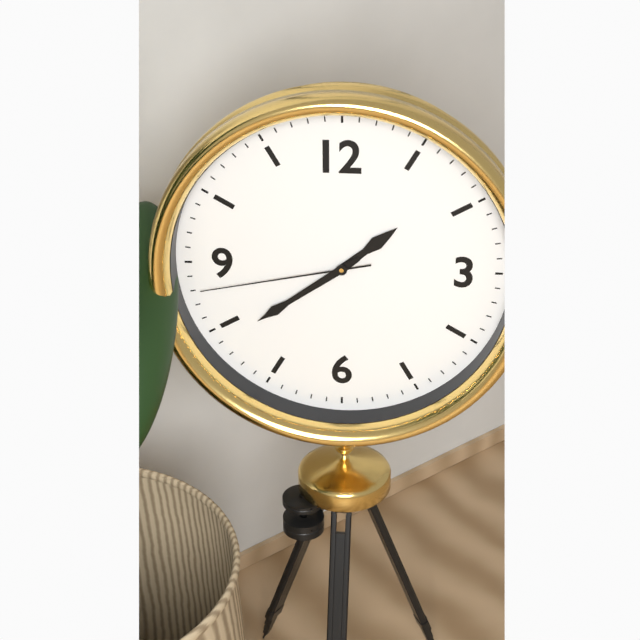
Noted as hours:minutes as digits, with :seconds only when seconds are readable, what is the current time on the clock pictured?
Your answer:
1:39:43
